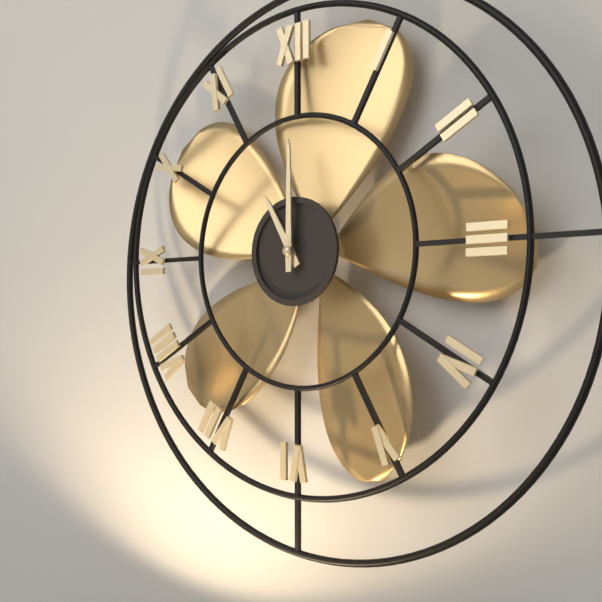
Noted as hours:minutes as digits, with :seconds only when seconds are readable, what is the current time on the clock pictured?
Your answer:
11:00
